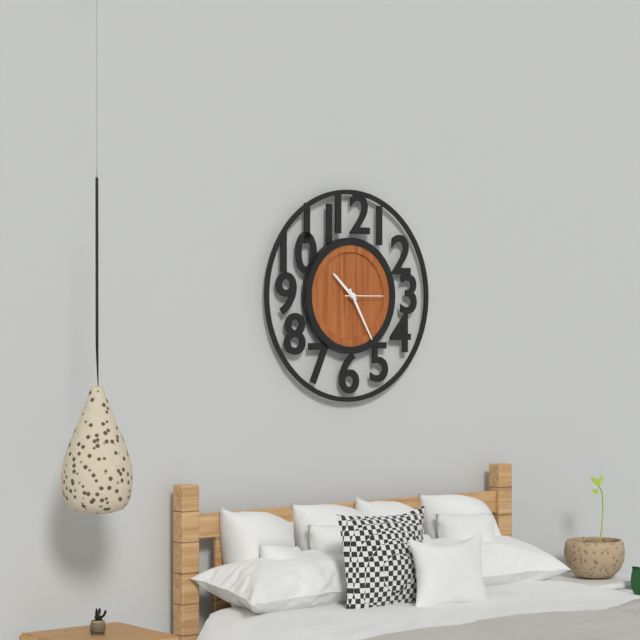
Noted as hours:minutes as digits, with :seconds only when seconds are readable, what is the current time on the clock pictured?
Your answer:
10:25
